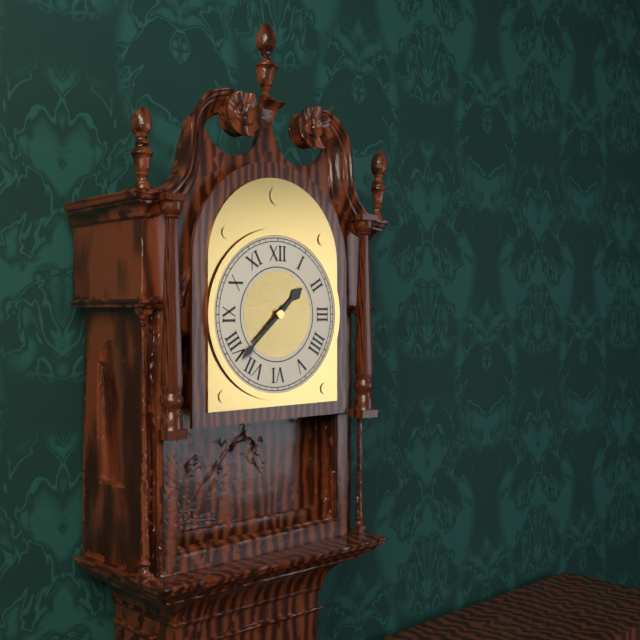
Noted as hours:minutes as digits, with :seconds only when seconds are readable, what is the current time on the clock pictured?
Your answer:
1:38
